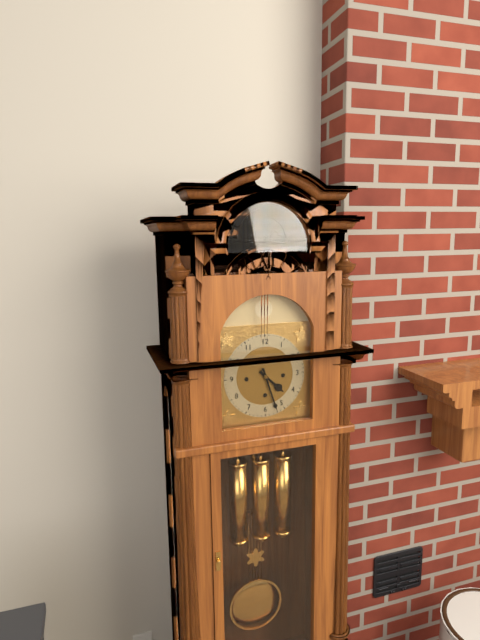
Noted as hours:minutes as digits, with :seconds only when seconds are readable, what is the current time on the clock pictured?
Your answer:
4:27
